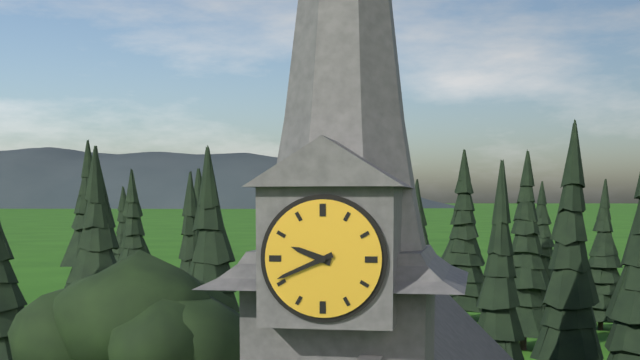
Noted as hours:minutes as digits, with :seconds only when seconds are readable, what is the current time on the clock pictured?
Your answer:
9:41
